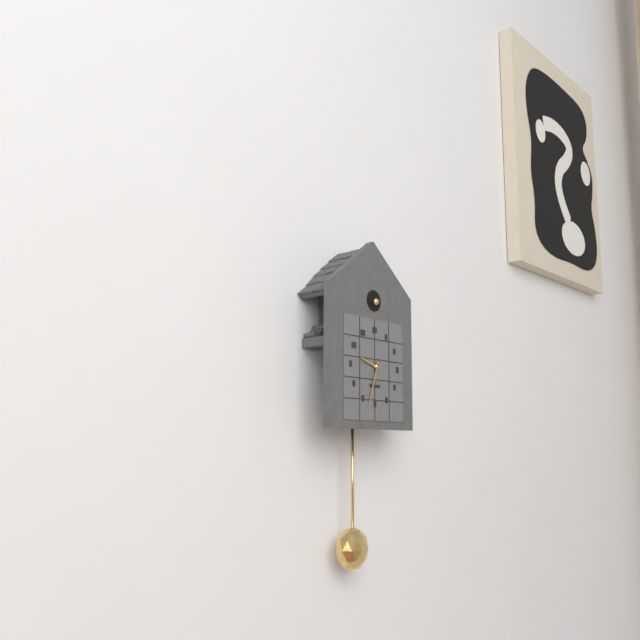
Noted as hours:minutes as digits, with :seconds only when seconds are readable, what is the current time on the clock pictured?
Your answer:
9:33
